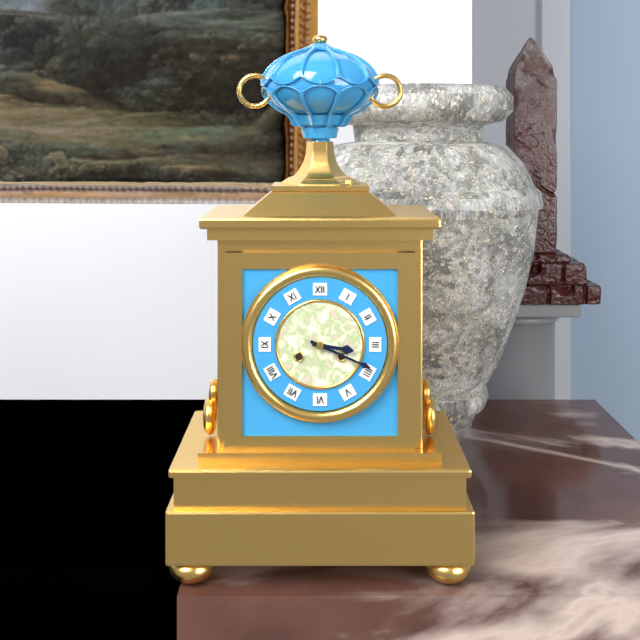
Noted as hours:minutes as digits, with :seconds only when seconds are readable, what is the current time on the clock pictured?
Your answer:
3:19
